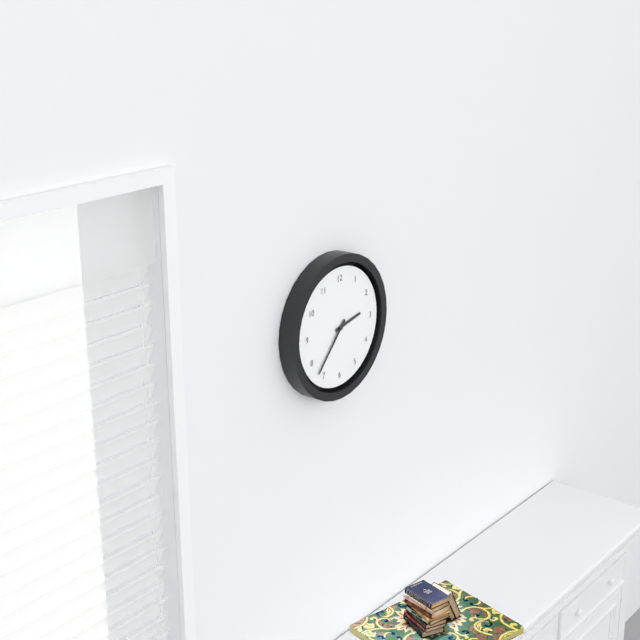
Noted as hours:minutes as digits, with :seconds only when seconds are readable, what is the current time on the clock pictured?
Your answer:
2:37
